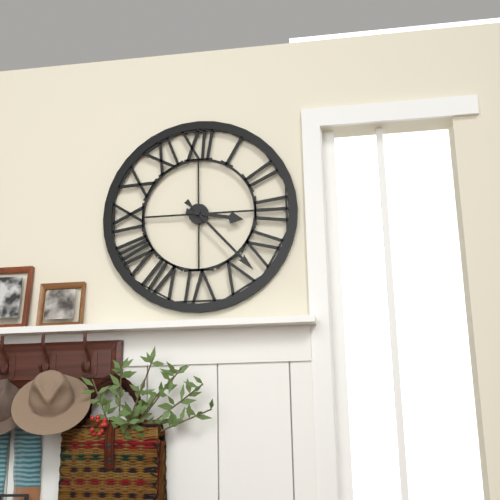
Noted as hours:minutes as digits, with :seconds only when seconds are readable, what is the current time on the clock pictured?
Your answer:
3:23
